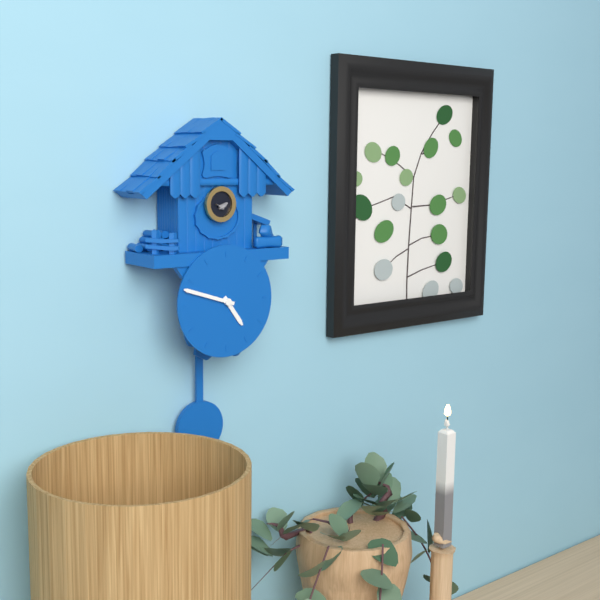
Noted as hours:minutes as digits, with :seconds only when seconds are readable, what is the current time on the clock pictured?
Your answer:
4:48
